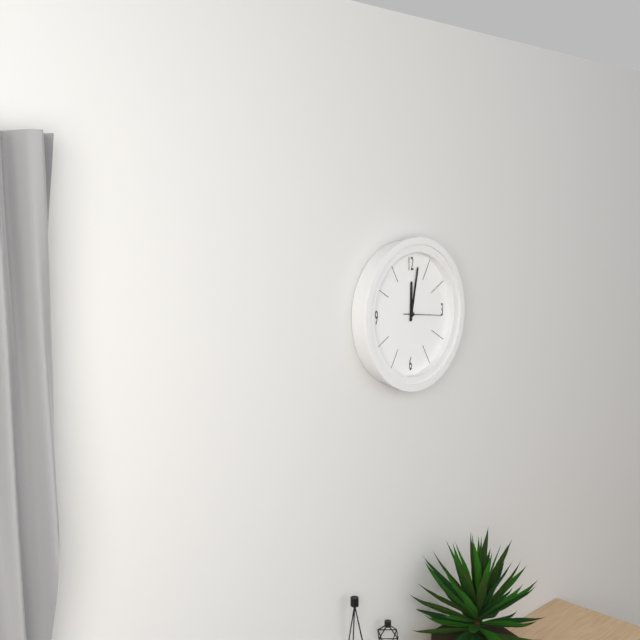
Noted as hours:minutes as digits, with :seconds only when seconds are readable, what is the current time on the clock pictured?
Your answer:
12:02
